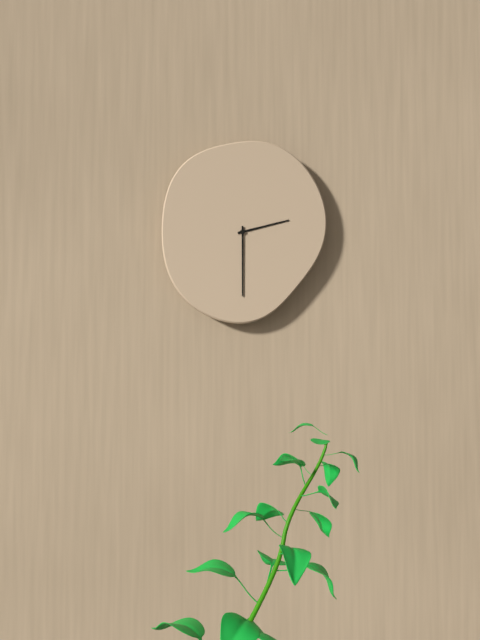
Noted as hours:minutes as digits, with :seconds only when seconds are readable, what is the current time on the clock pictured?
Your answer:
2:30
